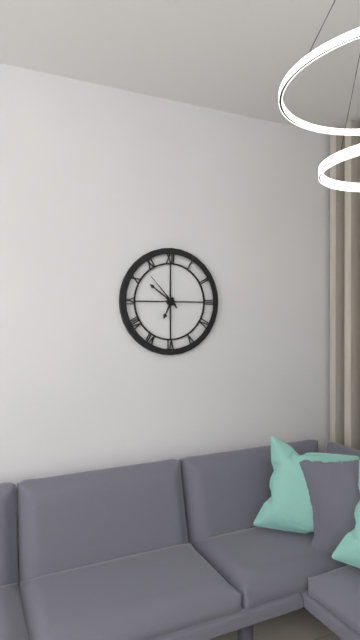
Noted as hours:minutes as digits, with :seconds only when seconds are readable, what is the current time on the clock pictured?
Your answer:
6:51
